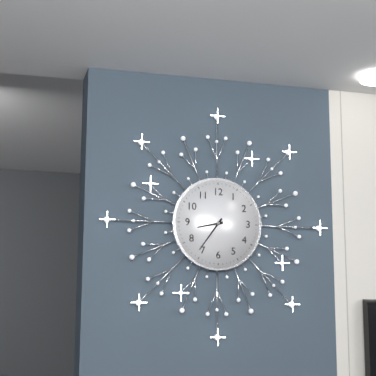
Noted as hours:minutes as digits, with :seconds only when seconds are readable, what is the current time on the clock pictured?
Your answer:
8:36
